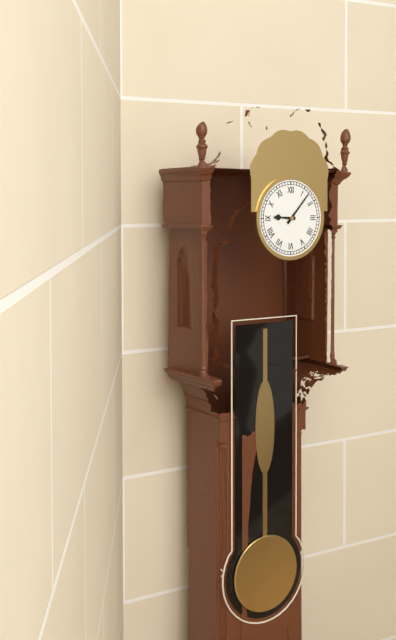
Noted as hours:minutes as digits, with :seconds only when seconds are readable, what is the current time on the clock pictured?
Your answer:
9:07
